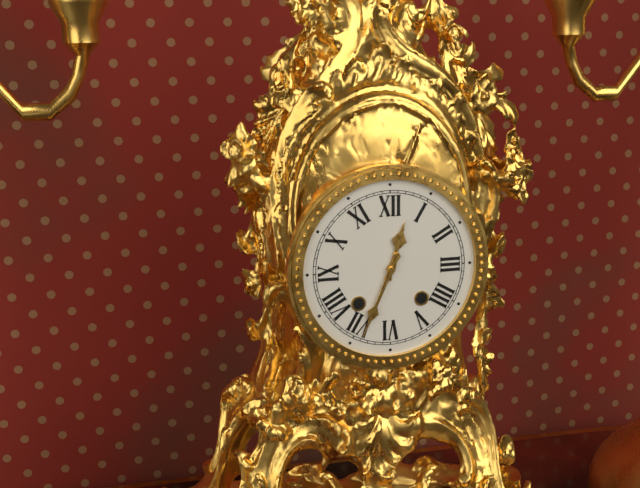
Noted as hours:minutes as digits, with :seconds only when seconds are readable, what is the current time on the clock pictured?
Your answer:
12:34
